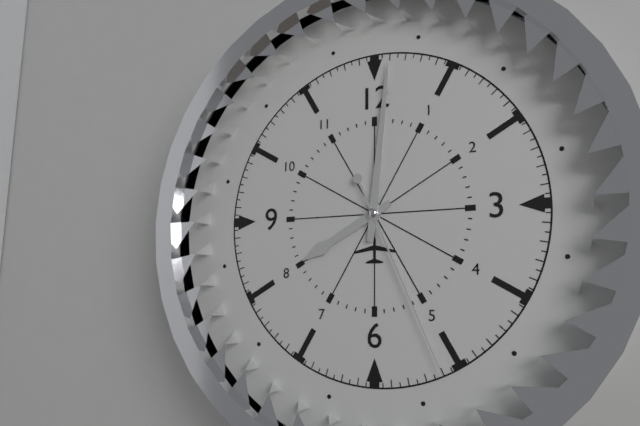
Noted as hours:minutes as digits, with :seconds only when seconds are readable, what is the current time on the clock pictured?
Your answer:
8:01:26
